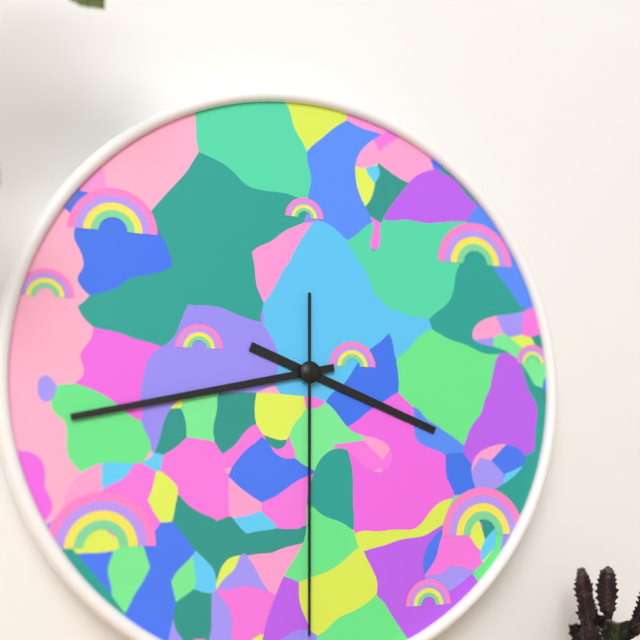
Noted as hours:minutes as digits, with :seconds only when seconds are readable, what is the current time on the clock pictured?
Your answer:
3:43:30
